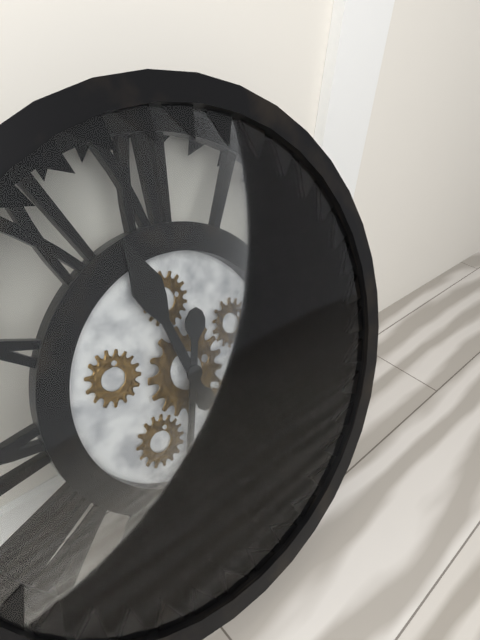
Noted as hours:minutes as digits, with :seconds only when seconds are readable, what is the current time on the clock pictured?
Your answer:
11:33
